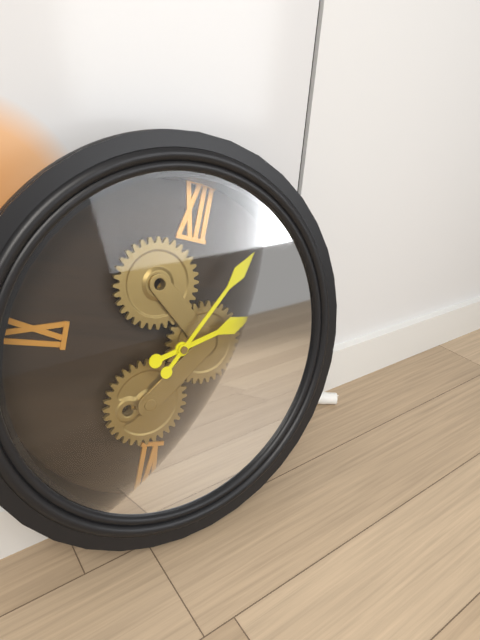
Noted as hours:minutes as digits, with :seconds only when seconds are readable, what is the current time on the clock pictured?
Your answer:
2:05
